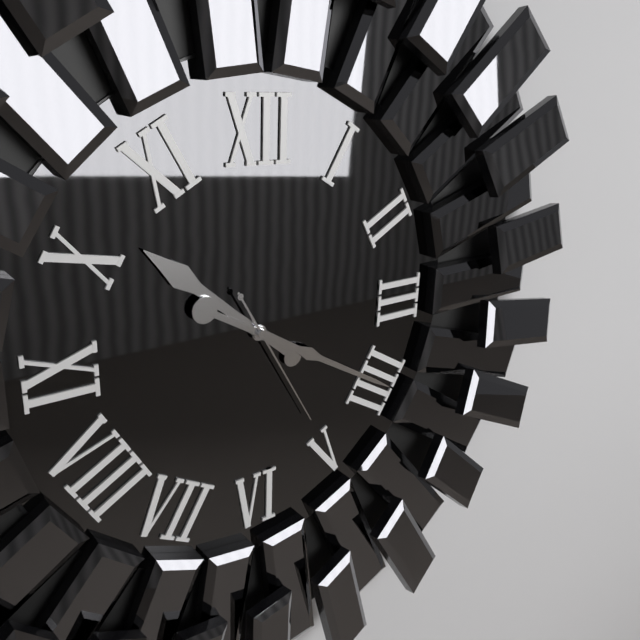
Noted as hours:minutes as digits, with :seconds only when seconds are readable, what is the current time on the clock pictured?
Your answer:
10:20:25
